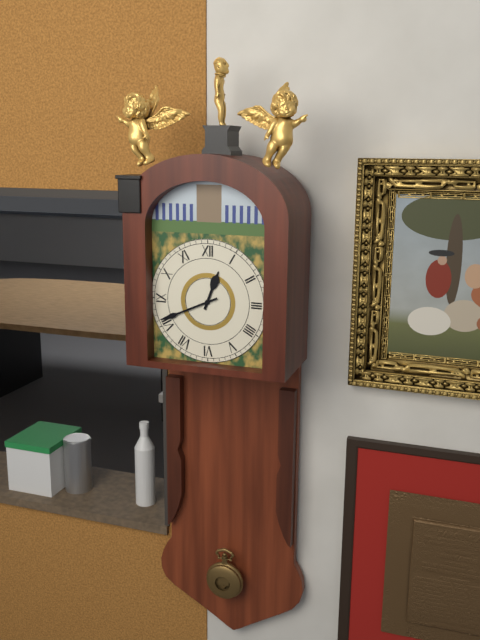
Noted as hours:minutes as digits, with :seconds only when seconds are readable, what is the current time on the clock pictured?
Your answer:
12:41
